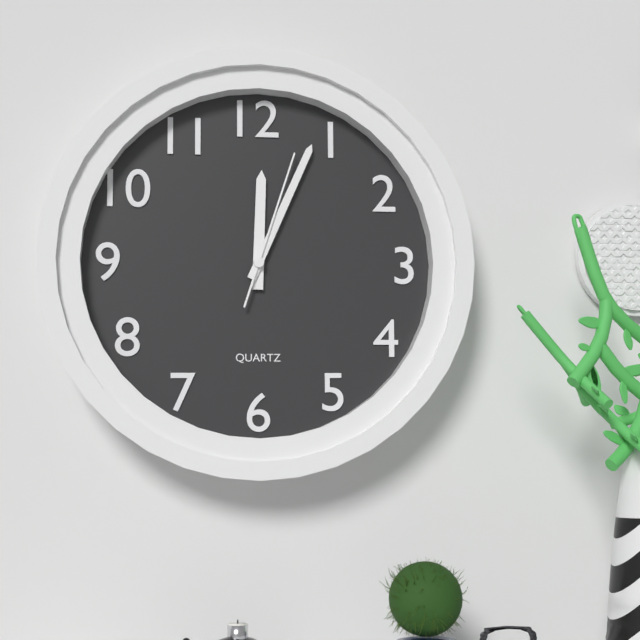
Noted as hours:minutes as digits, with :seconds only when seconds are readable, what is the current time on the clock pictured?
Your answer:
12:04:03
